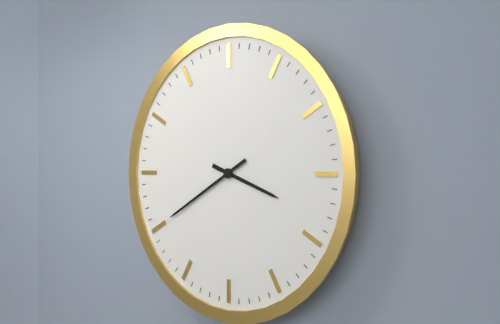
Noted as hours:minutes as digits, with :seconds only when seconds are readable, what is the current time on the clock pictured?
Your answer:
3:40
